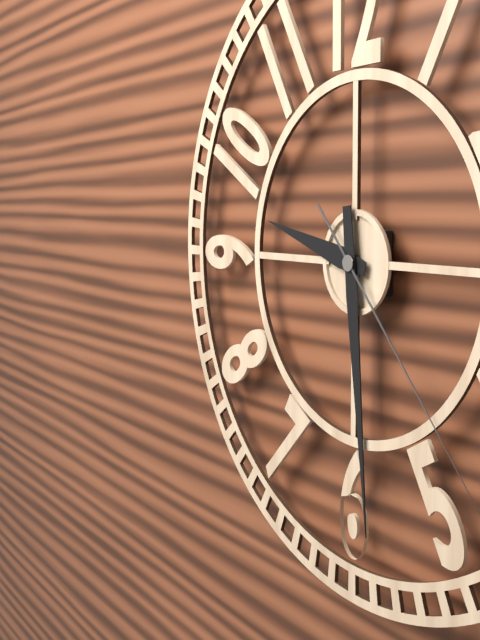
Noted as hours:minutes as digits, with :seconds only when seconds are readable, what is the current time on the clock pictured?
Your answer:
9:29
